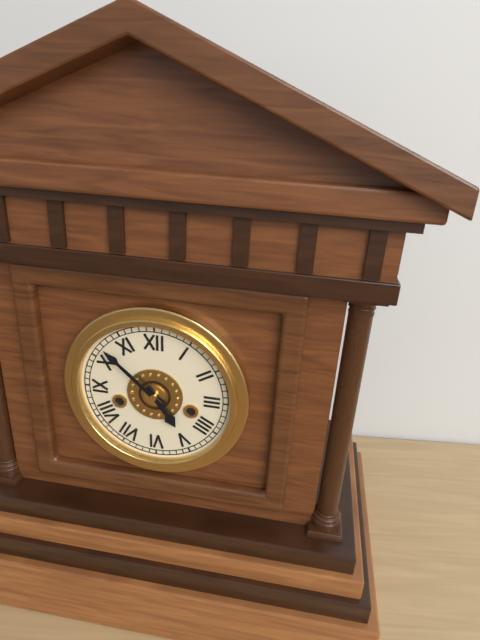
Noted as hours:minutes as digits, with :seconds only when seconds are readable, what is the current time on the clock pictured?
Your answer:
4:52
